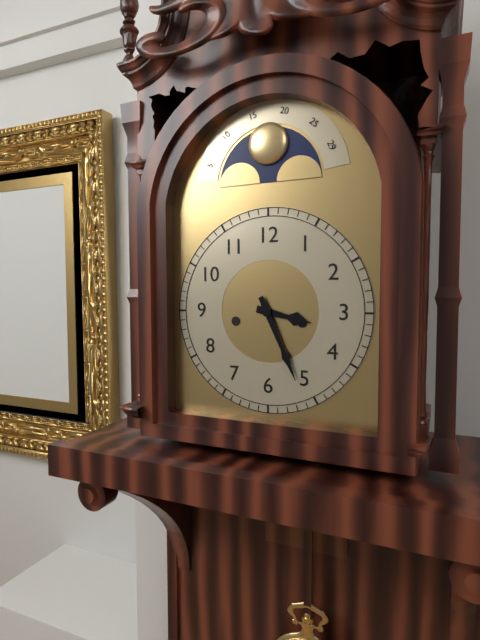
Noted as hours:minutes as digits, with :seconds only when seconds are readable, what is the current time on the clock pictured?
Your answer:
3:26
